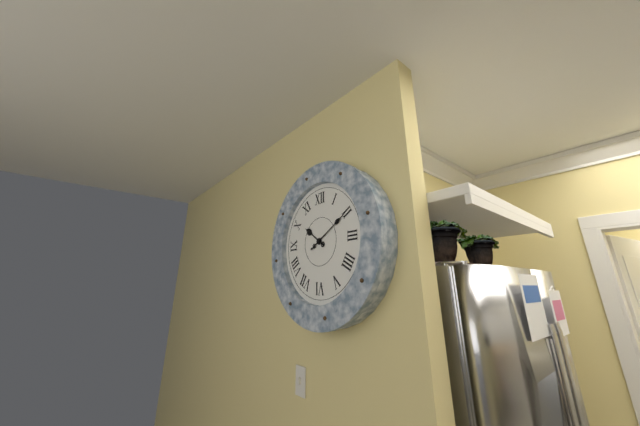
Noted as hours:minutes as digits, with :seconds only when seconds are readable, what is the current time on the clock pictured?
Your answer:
10:10
